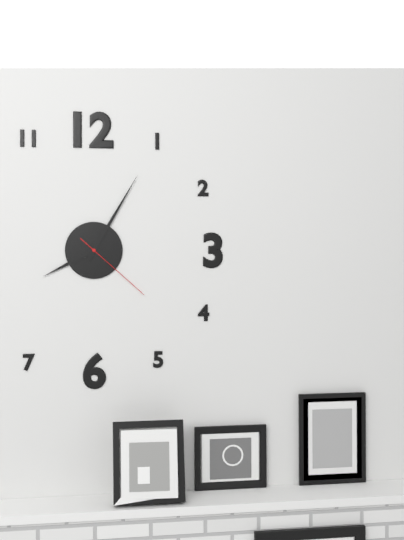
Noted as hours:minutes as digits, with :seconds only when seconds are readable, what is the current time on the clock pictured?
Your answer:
8:05:22
